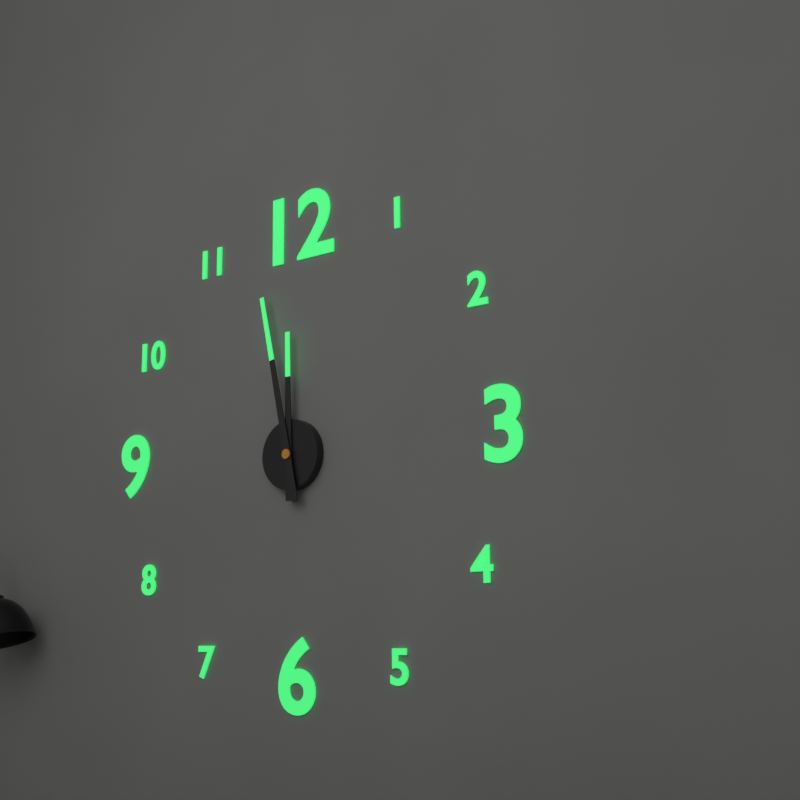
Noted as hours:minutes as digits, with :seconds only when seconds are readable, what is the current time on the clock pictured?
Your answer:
11:58
